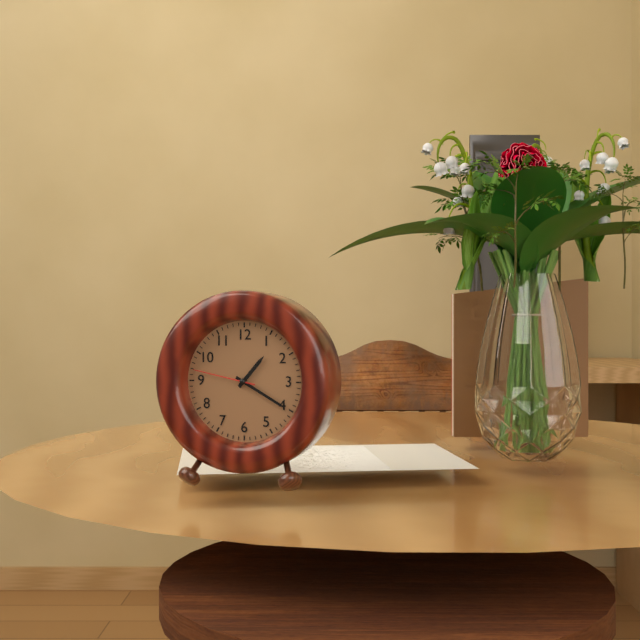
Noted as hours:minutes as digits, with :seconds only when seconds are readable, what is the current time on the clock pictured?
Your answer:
1:20:47
